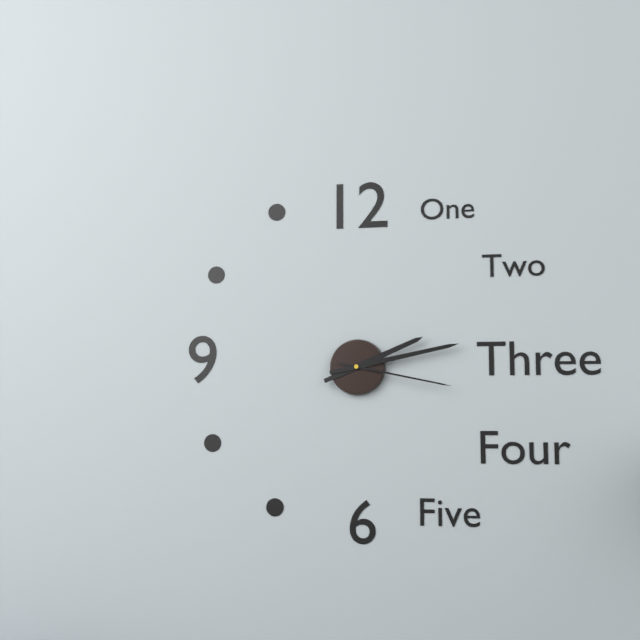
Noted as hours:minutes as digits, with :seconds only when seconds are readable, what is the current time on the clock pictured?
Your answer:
2:13:17
